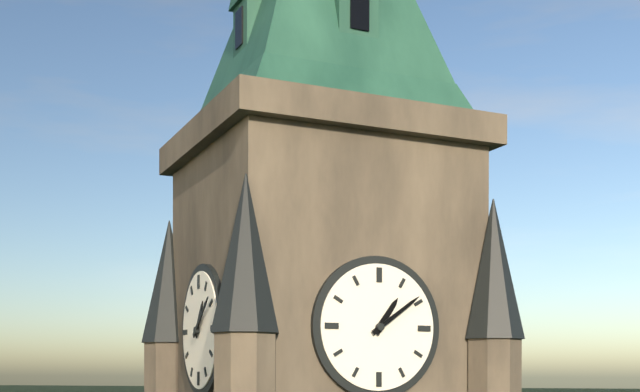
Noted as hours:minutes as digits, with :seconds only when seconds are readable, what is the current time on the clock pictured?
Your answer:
1:09
